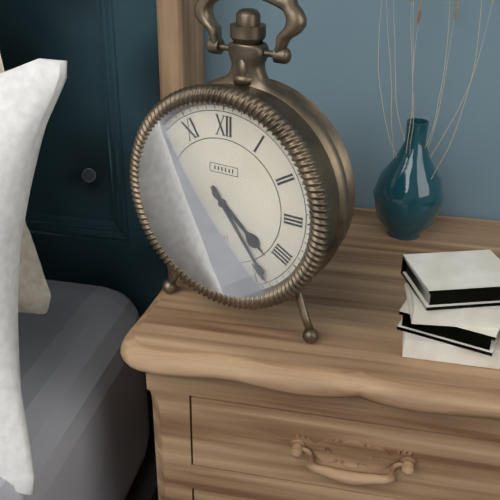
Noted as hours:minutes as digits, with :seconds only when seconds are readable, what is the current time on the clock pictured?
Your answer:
4:24
